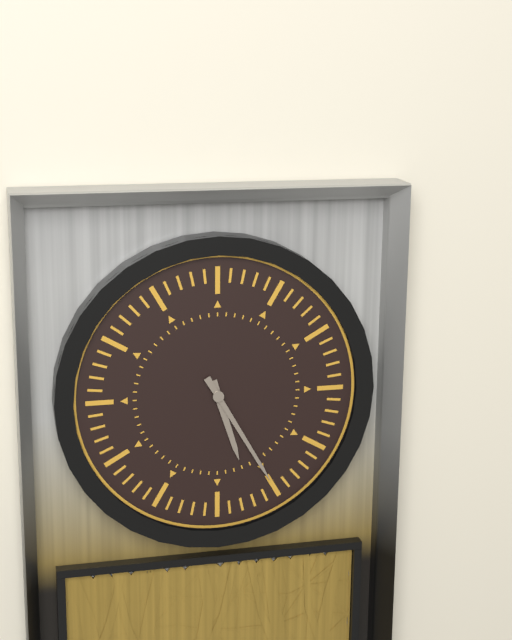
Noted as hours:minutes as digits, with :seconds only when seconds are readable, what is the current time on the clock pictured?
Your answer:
5:25
